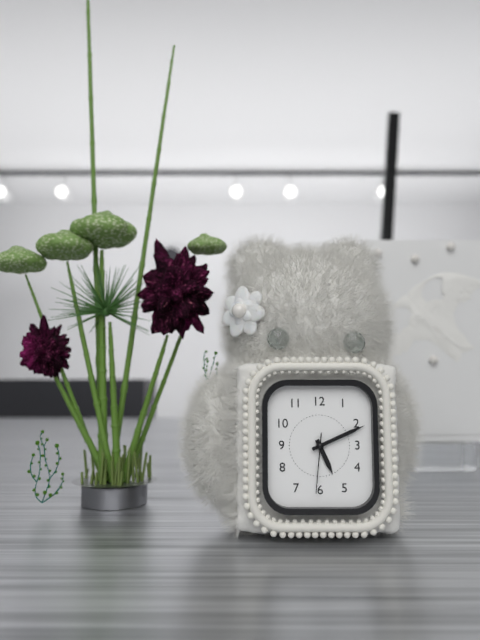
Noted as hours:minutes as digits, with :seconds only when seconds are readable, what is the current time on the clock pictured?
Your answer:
5:11:31
